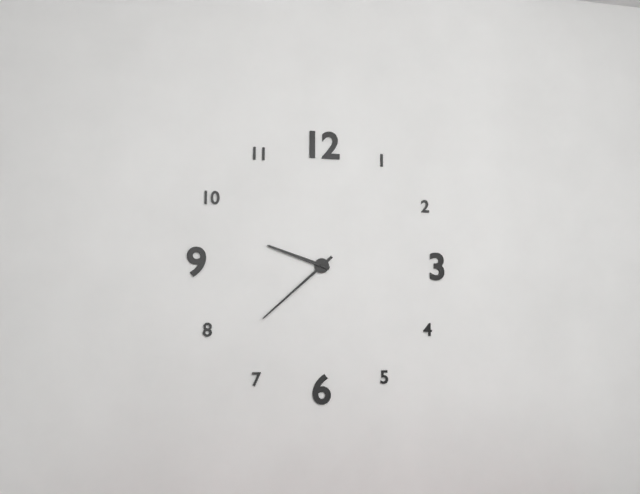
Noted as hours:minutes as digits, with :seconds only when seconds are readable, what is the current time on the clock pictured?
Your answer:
9:38
